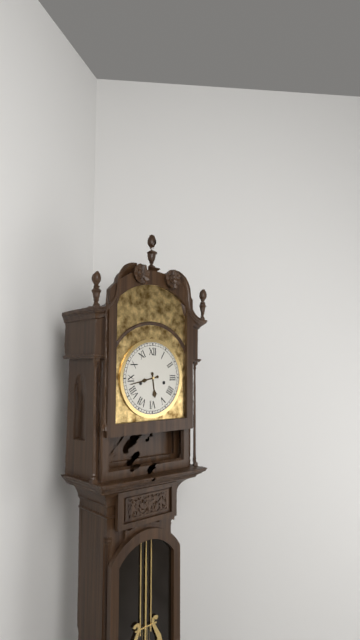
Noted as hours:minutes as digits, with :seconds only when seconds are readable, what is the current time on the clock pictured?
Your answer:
5:43
